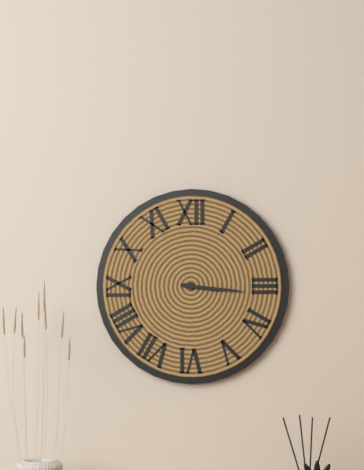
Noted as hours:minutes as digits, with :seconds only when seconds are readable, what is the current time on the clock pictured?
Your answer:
3:16
